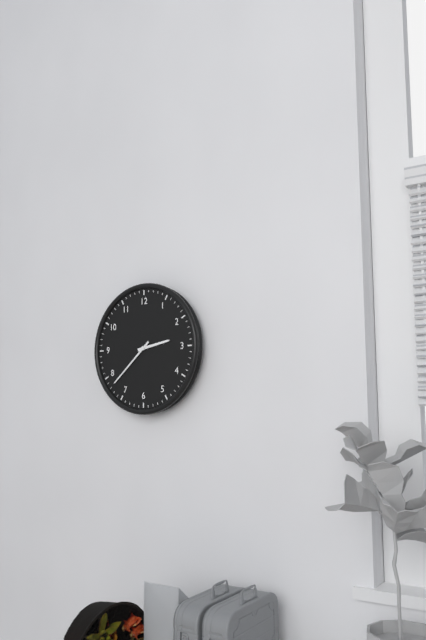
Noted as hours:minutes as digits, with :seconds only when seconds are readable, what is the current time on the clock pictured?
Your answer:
2:38
